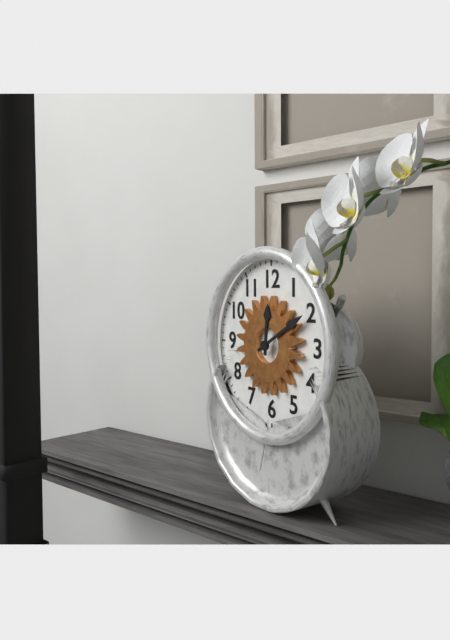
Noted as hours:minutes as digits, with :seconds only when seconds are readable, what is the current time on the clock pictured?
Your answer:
12:10
